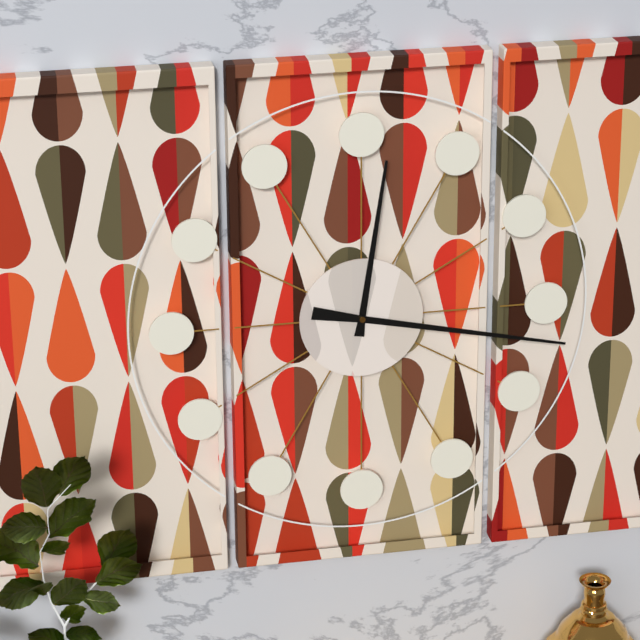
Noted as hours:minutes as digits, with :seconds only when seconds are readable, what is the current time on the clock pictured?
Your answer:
12:17
